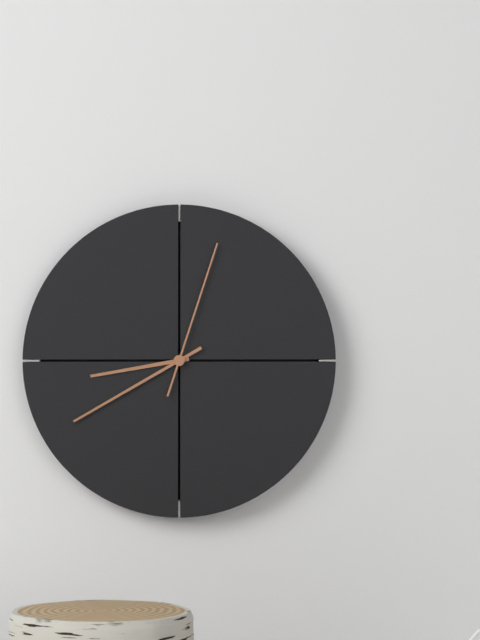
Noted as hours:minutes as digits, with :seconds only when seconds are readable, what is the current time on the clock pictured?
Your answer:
8:40:03
